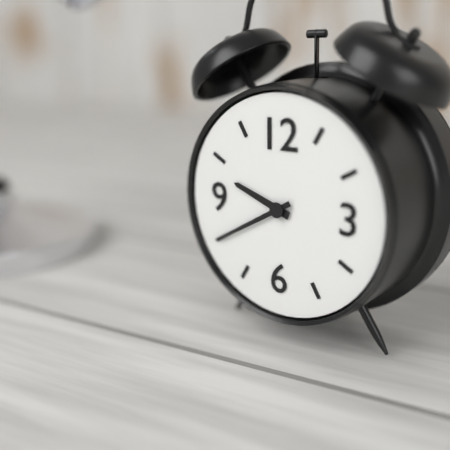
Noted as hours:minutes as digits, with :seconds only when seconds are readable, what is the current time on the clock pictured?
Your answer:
9:40
